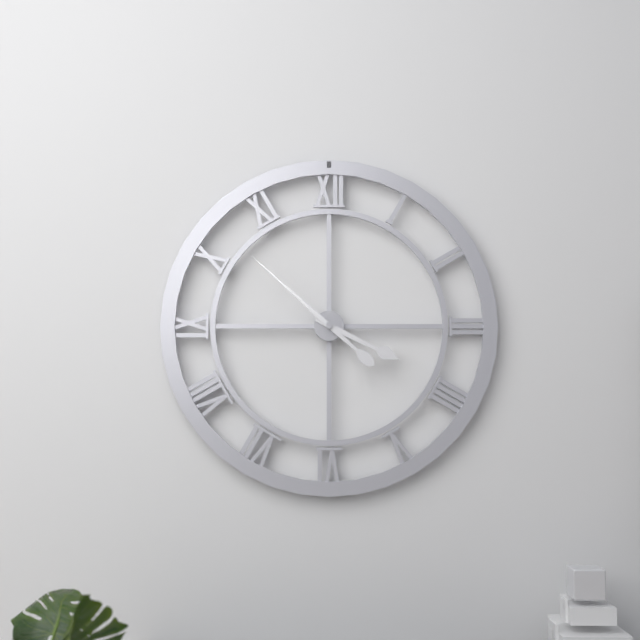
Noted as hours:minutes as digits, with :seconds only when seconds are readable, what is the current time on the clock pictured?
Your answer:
3:52
